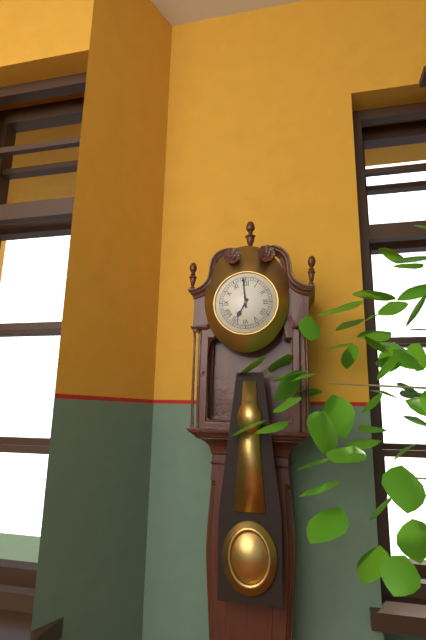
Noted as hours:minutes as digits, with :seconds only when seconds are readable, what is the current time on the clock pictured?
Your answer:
6:59
